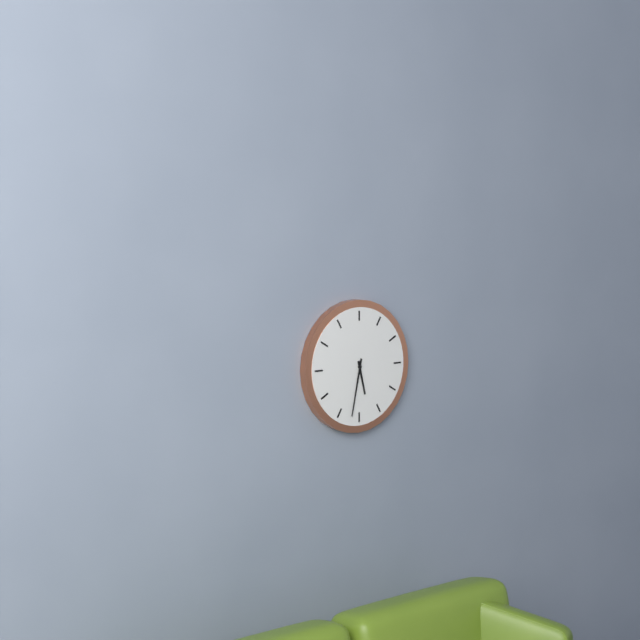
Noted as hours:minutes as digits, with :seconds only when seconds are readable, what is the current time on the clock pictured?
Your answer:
5:32
